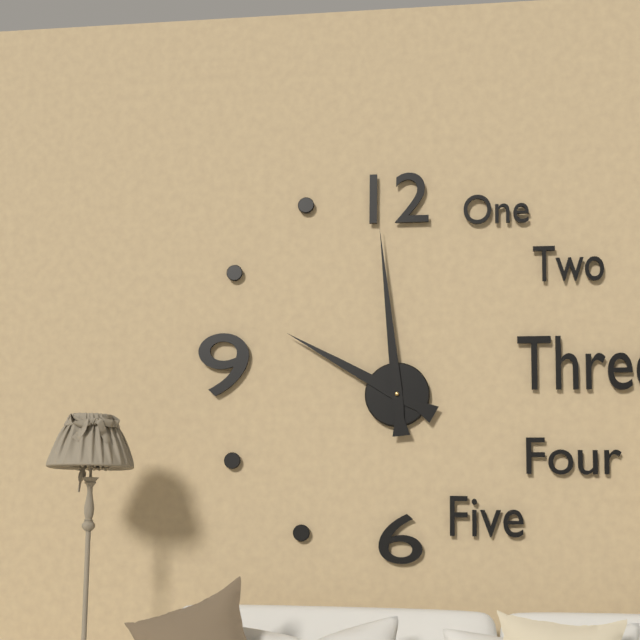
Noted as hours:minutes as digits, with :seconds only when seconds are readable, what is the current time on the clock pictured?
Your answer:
9:59
